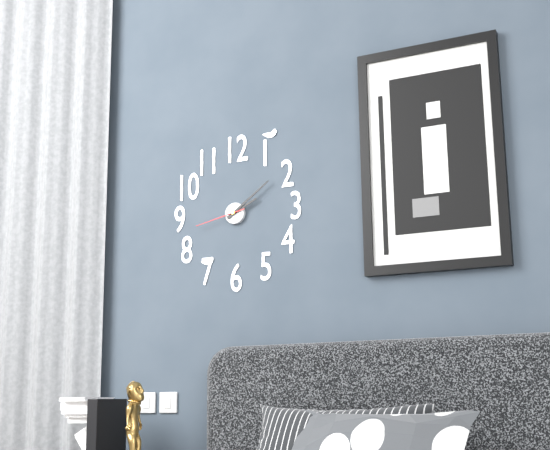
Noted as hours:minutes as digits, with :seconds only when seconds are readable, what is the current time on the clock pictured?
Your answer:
2:09
